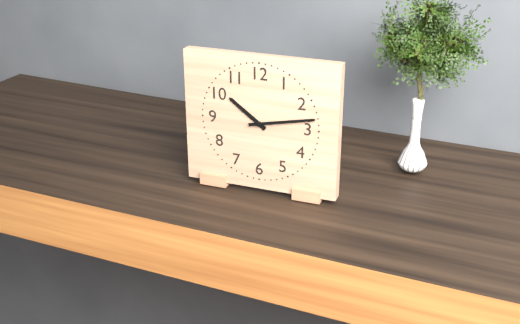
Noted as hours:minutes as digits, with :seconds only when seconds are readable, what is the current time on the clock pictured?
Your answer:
10:13
